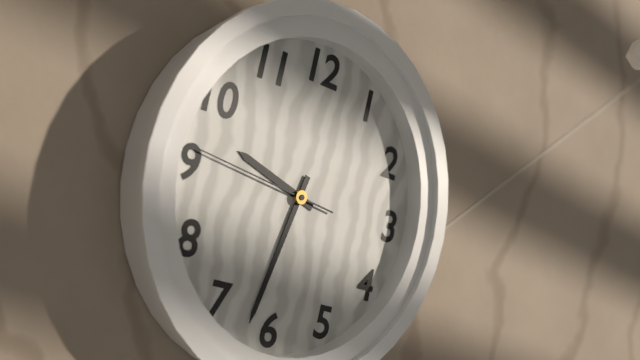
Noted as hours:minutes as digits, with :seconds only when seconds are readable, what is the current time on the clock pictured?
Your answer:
9:32:46
